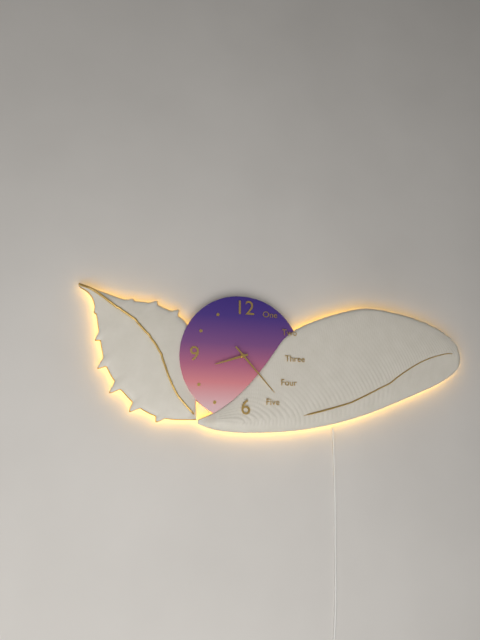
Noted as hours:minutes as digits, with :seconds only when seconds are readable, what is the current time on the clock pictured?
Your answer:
8:23
